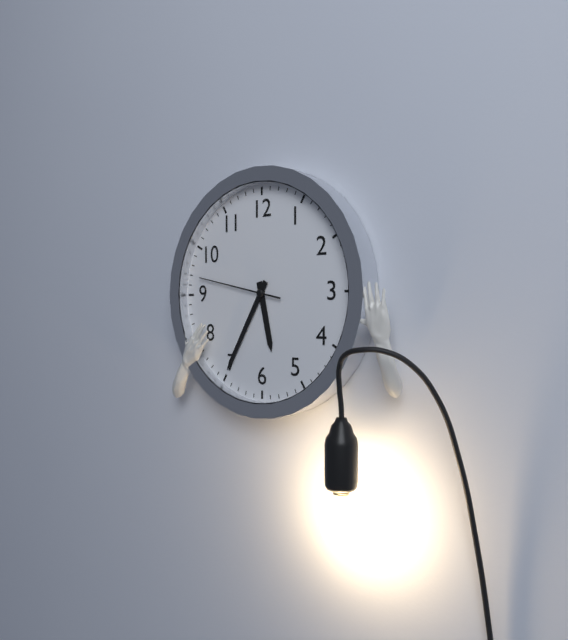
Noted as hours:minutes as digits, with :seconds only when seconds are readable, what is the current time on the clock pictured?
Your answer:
5:35:47
